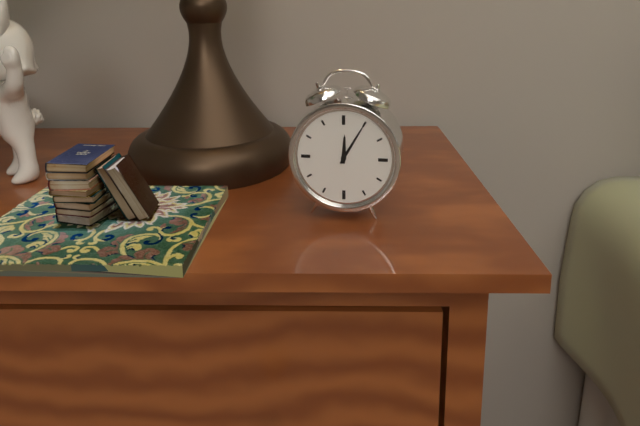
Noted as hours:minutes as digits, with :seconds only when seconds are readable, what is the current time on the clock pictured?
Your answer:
12:05
